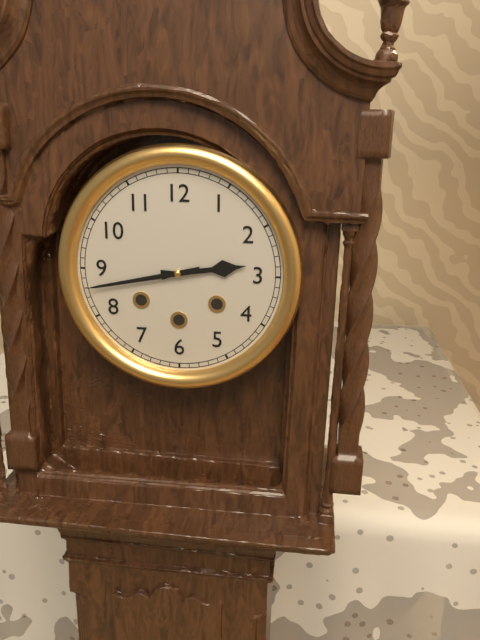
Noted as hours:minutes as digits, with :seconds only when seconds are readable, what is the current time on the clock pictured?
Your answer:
2:43
